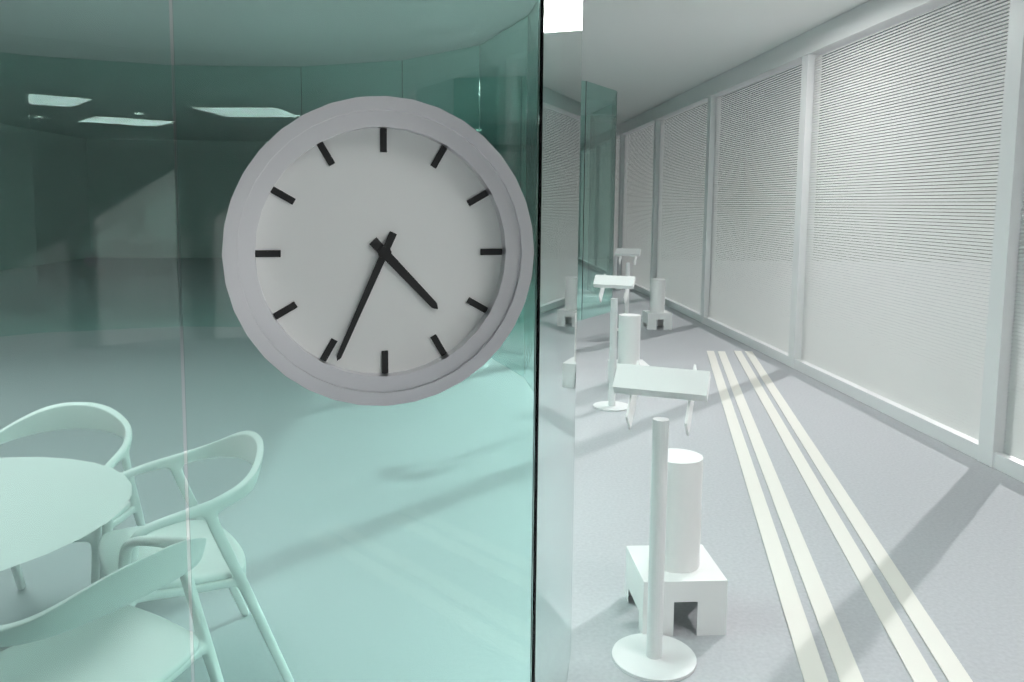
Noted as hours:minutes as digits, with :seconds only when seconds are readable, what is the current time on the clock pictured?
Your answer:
4:34
